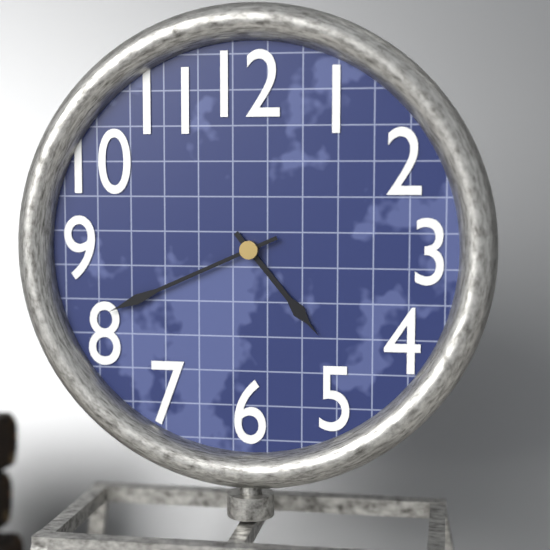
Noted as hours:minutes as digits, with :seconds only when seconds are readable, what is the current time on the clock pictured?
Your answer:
4:41
